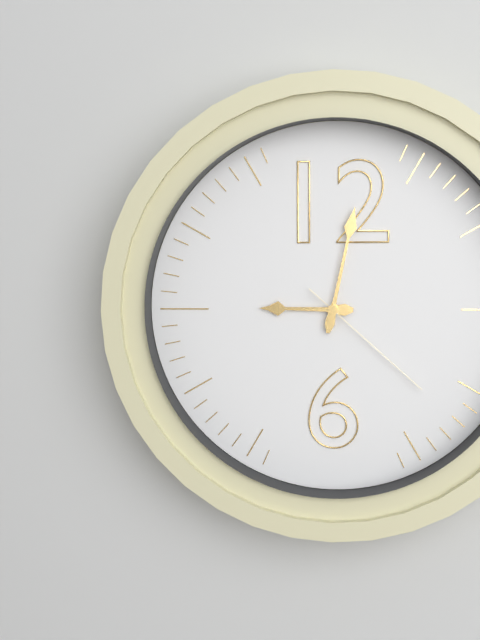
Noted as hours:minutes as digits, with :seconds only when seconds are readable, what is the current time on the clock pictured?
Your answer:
9:02:22
